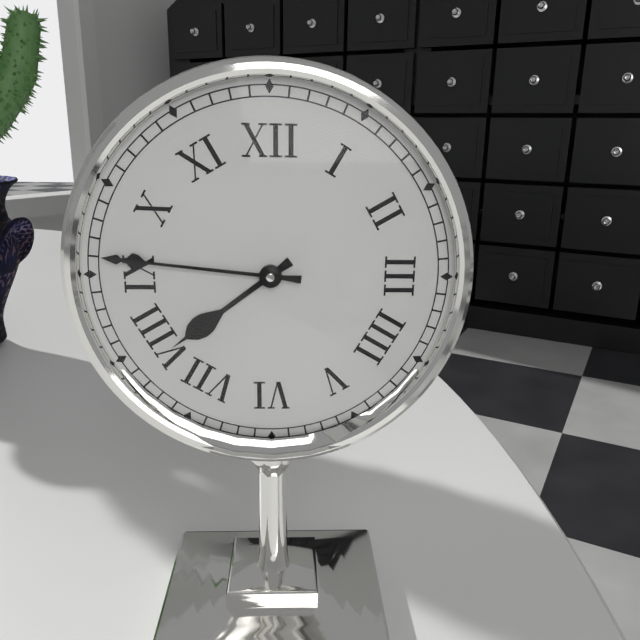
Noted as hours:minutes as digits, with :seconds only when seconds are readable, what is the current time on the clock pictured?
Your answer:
7:46
